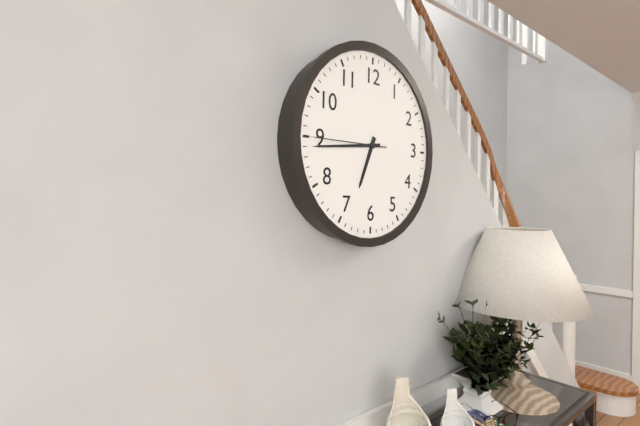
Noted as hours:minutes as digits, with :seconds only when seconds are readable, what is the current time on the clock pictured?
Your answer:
6:44:45
